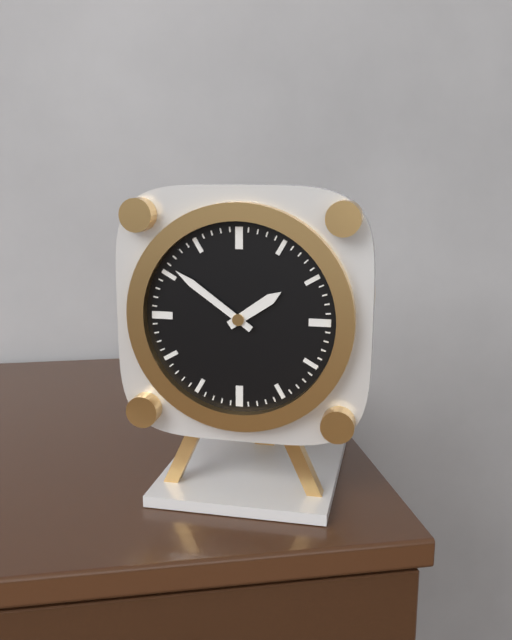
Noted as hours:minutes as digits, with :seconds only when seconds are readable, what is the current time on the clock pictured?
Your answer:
1:51
